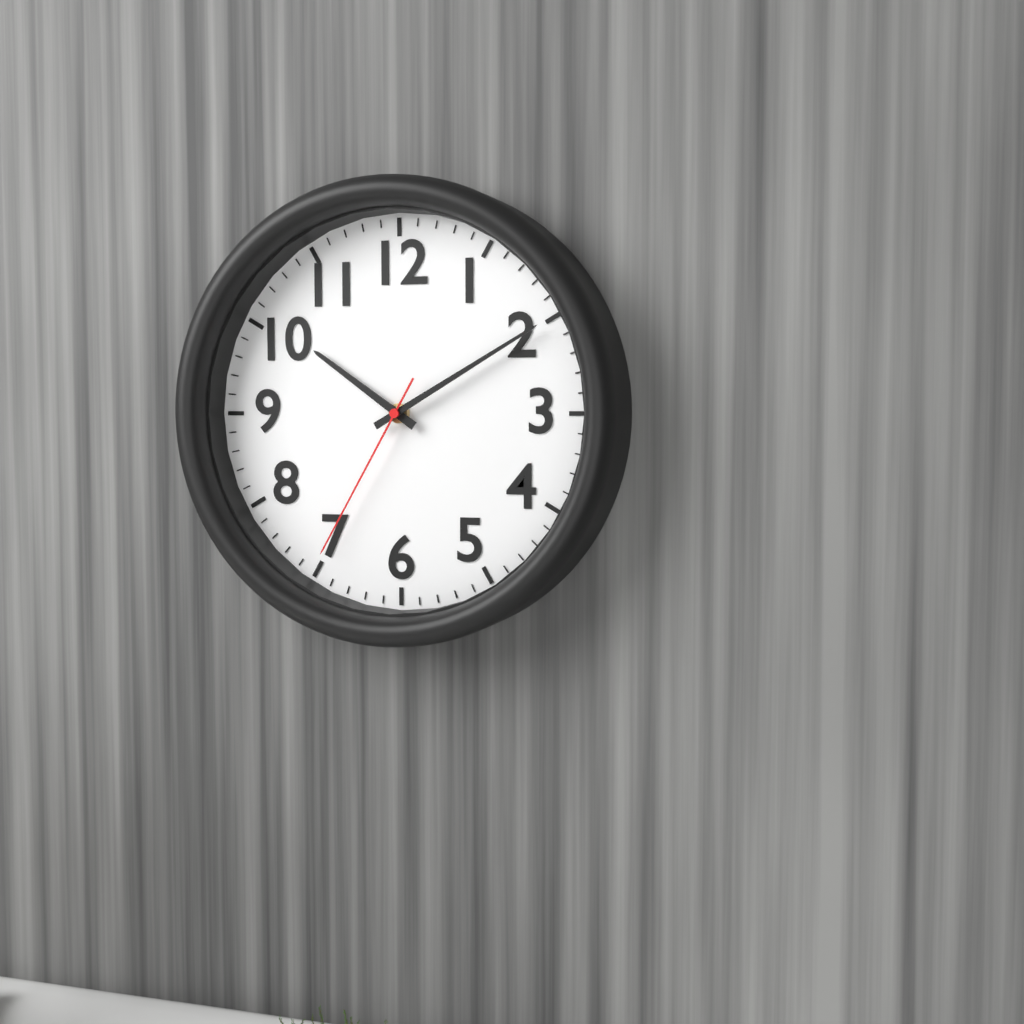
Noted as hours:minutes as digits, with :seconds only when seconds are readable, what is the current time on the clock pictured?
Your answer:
10:10:35
